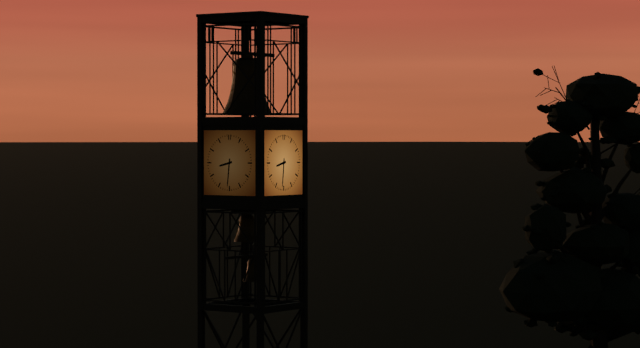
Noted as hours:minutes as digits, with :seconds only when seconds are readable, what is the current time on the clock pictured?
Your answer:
8:31
